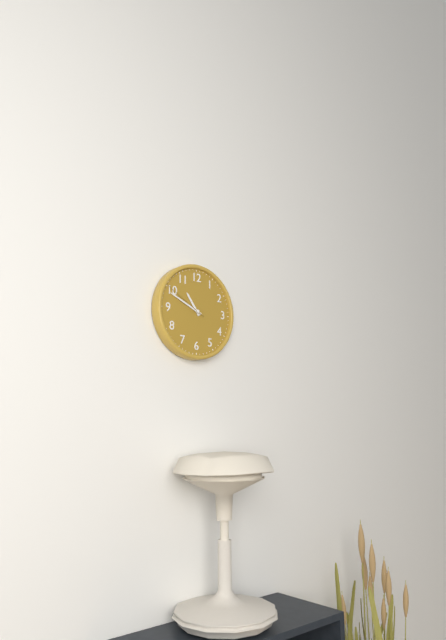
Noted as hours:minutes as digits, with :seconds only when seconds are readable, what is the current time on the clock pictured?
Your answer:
10:49
